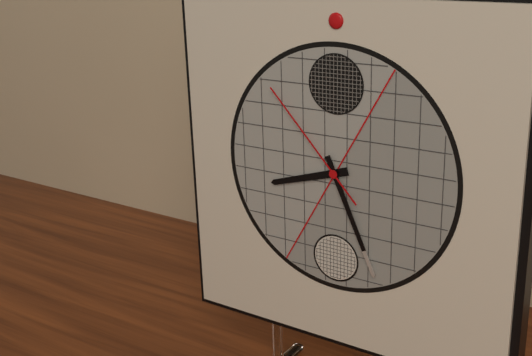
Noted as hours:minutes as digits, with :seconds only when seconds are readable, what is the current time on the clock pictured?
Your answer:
8:26:53
